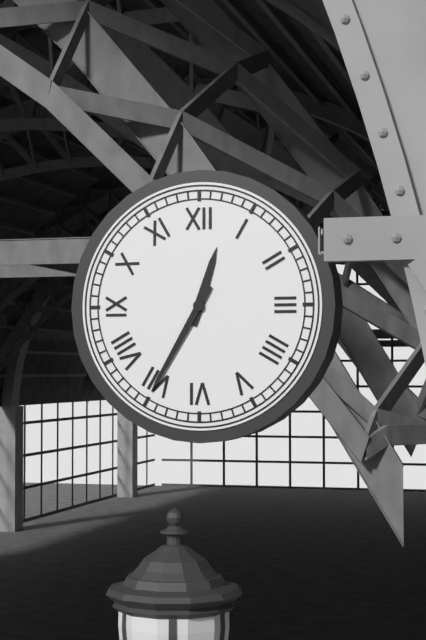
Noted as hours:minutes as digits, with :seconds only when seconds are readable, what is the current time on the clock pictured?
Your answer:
12:35
